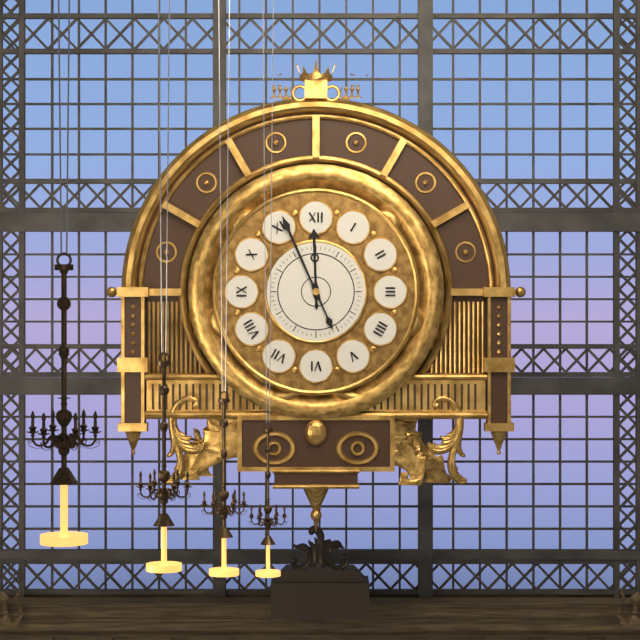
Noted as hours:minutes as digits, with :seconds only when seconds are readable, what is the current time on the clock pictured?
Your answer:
11:56
